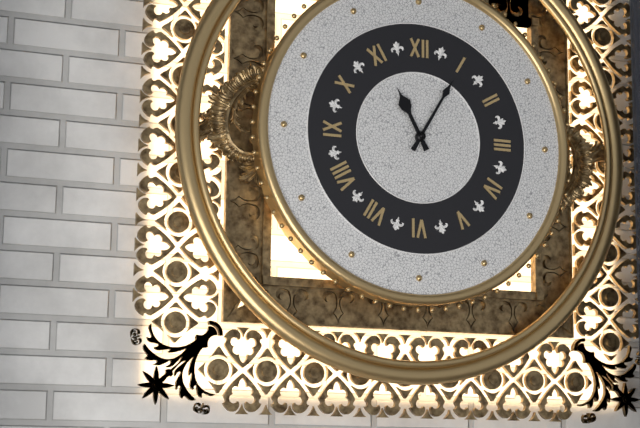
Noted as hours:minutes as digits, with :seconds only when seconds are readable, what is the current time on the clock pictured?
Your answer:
11:05
